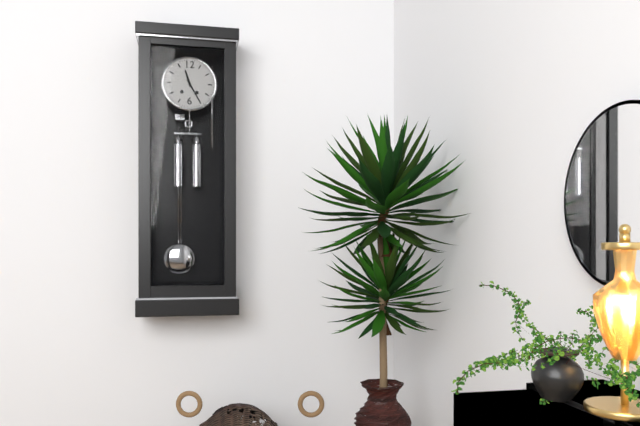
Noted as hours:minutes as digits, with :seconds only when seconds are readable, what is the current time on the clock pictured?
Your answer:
11:25
